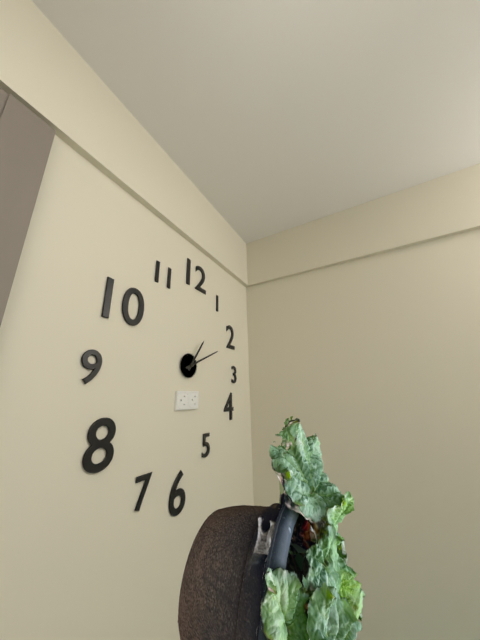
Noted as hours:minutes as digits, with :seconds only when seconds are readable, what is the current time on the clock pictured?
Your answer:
1:11
